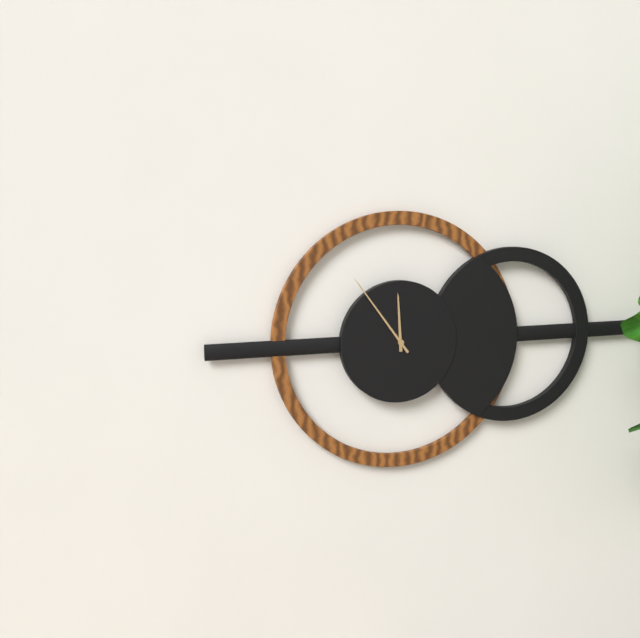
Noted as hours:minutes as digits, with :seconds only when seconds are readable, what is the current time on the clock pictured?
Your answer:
11:54
